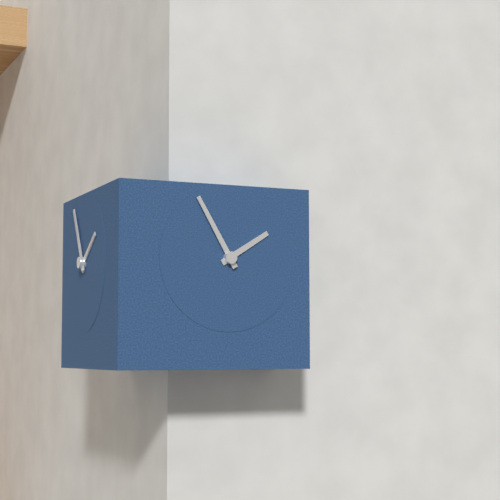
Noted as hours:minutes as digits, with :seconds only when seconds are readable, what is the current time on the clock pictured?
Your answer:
1:55
